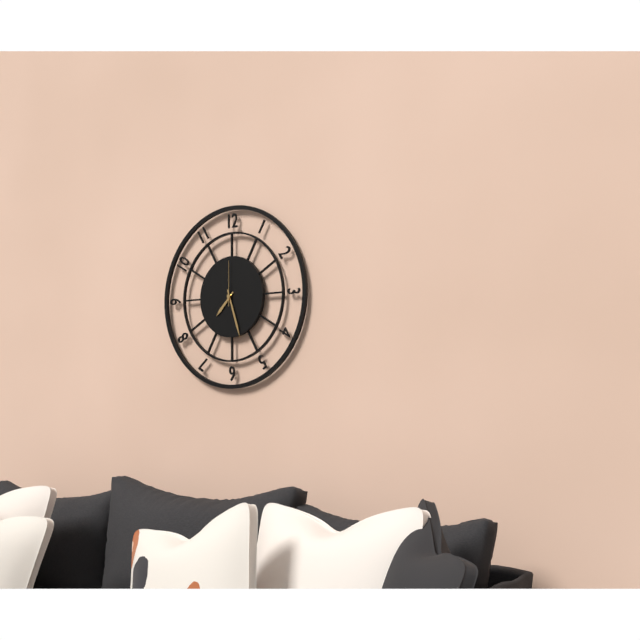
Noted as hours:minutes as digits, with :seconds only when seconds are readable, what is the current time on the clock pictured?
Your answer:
7:27
